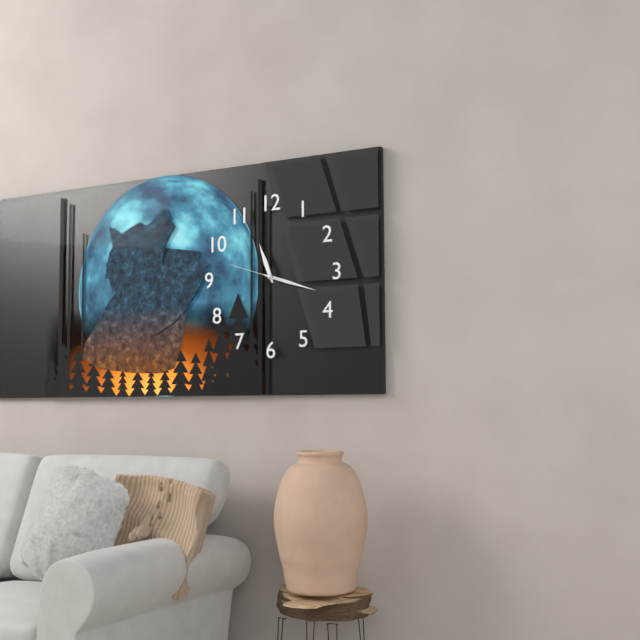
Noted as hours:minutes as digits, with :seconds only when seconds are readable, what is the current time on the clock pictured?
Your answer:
11:18:48
